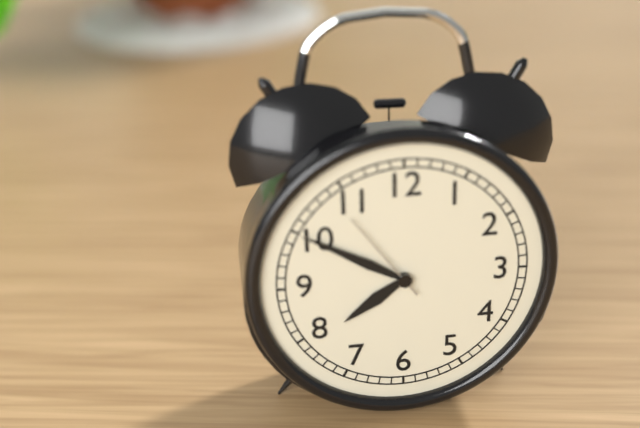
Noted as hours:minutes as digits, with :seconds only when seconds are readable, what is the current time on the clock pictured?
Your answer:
7:50:54
